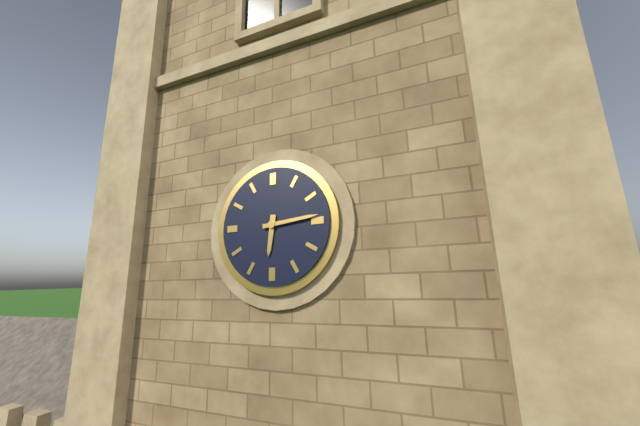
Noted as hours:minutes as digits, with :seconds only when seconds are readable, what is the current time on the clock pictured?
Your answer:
6:14
